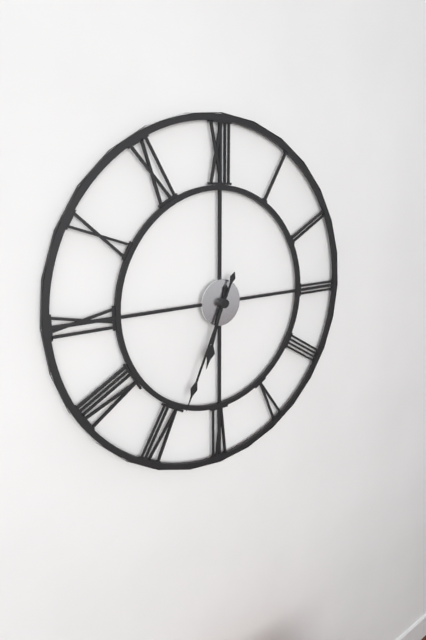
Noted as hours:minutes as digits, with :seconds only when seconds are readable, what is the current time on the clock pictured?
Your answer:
6:34
